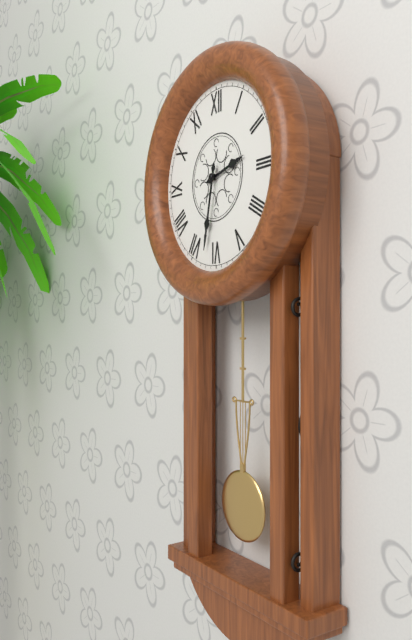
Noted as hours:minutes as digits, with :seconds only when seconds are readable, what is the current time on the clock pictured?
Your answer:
2:32
